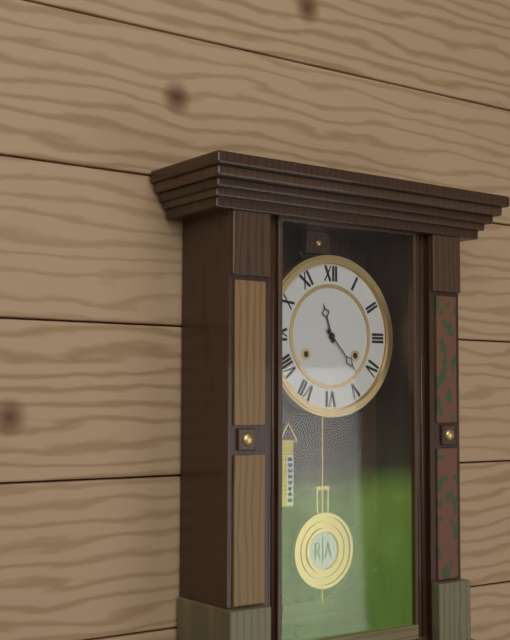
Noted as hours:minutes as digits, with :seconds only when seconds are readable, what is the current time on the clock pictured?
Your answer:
11:23
